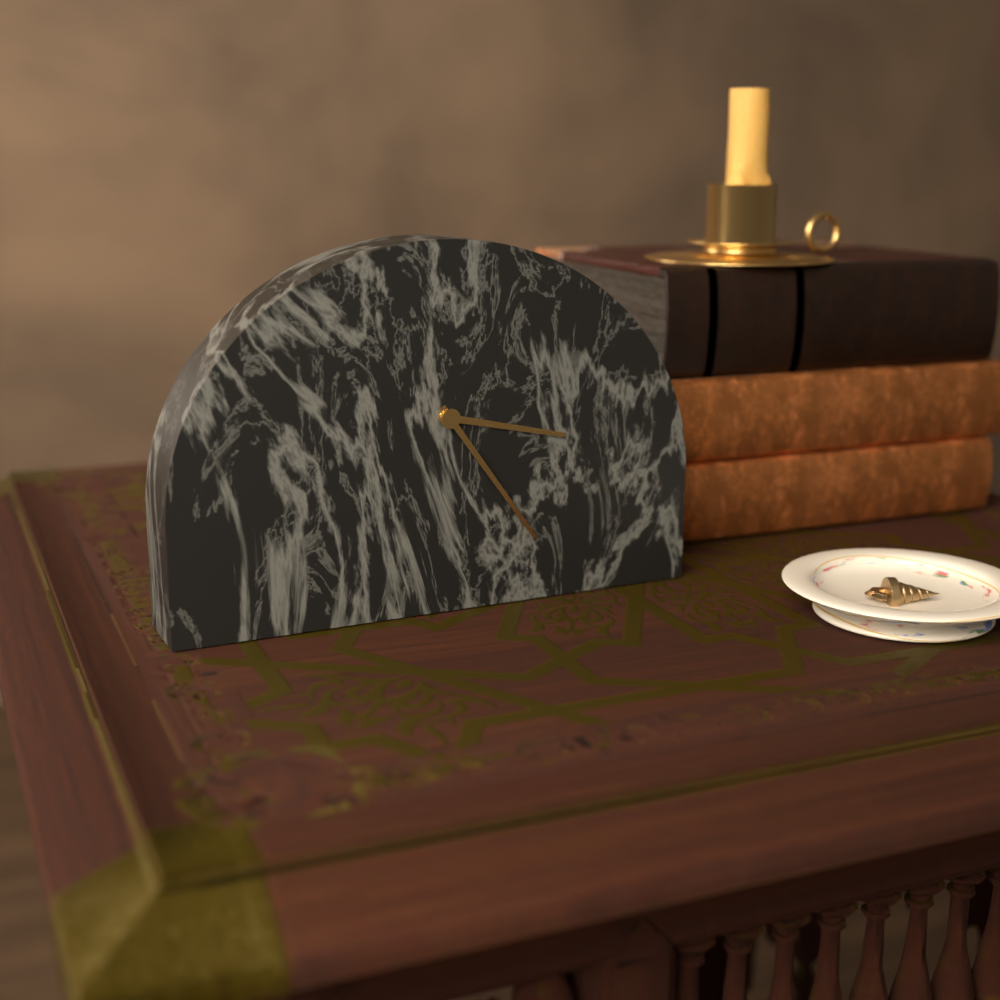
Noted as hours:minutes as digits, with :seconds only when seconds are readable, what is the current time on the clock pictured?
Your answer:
3:24
